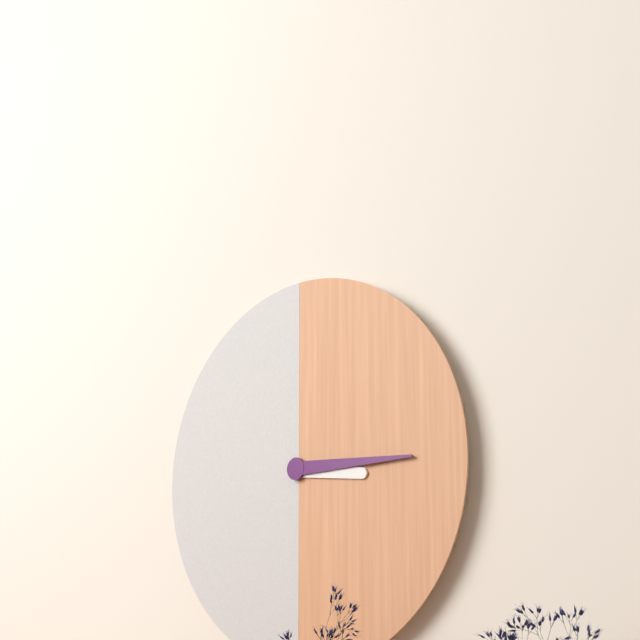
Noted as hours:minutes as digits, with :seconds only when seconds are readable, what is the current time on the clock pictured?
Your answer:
3:15
